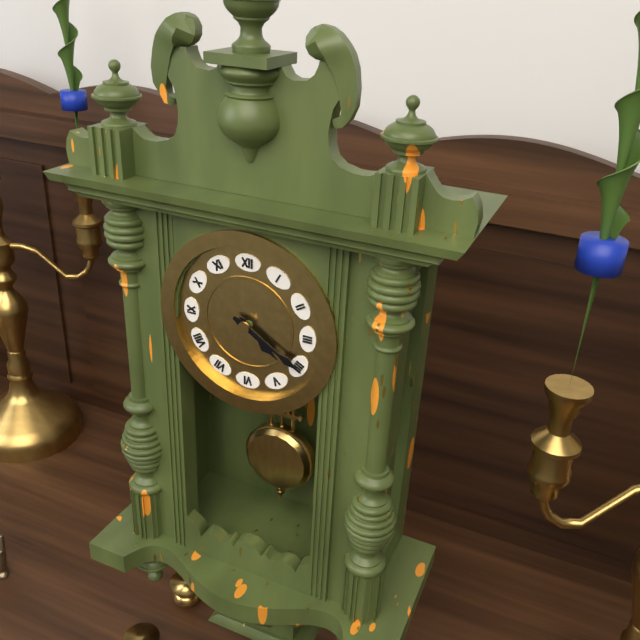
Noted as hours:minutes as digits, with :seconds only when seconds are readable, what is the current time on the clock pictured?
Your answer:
4:20
